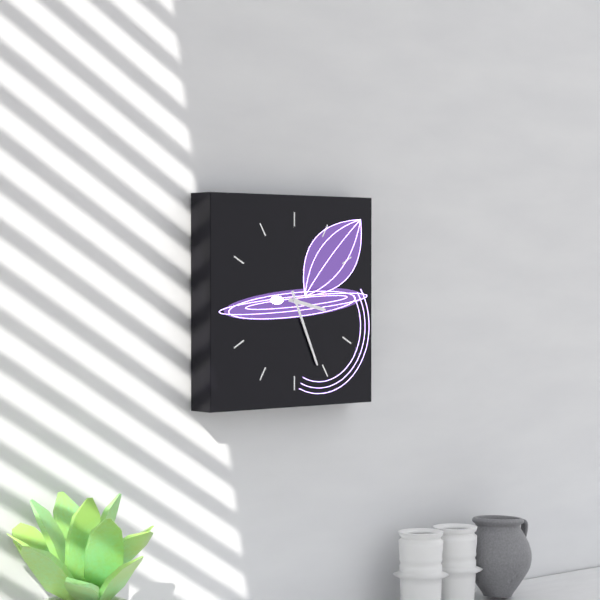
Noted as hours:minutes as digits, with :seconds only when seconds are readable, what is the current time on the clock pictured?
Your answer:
3:26
